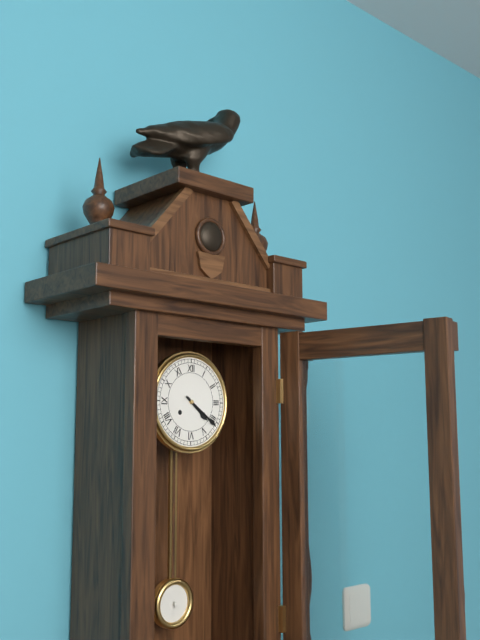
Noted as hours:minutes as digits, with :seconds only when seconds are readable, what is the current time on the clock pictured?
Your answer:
4:21
